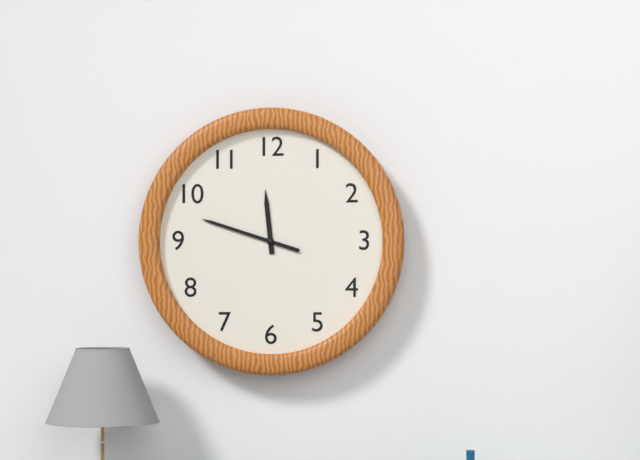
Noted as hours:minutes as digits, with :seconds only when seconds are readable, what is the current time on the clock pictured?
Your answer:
11:48
